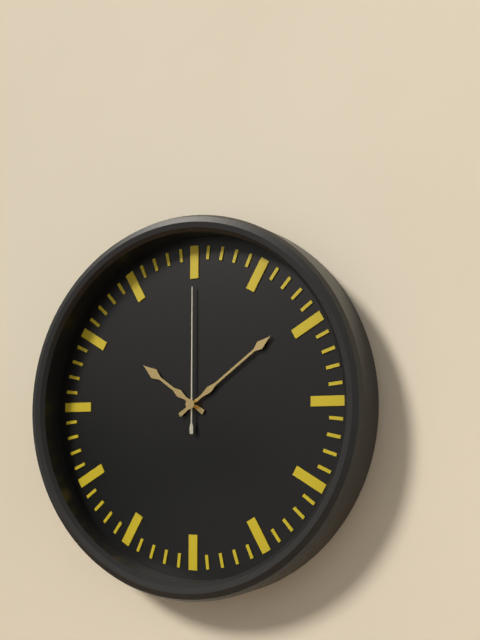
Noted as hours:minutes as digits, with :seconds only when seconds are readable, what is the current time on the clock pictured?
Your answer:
10:09:00
